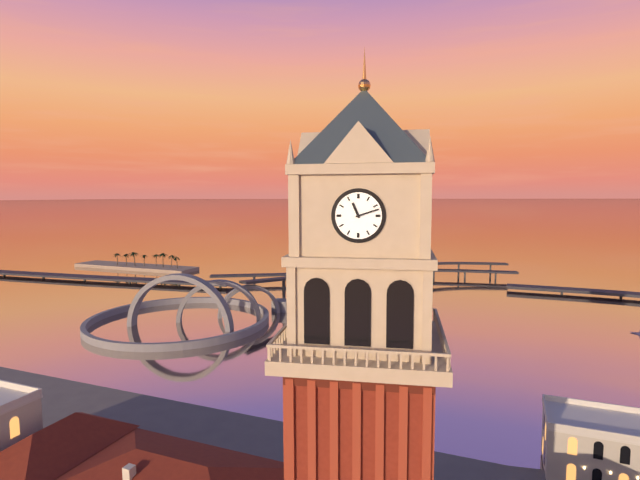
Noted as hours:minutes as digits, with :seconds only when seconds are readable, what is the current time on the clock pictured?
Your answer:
11:12
